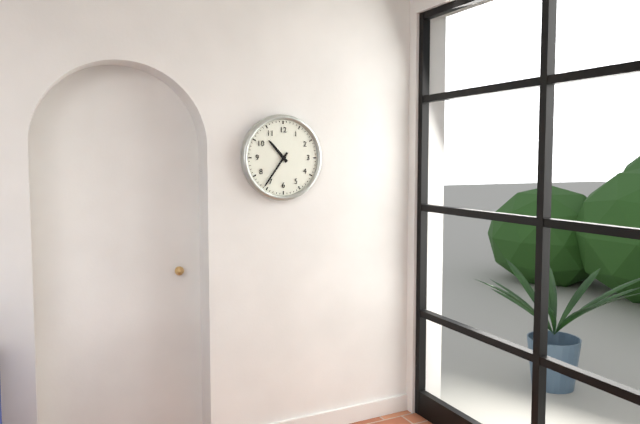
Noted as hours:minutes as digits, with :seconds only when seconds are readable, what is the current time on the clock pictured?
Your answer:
10:36
